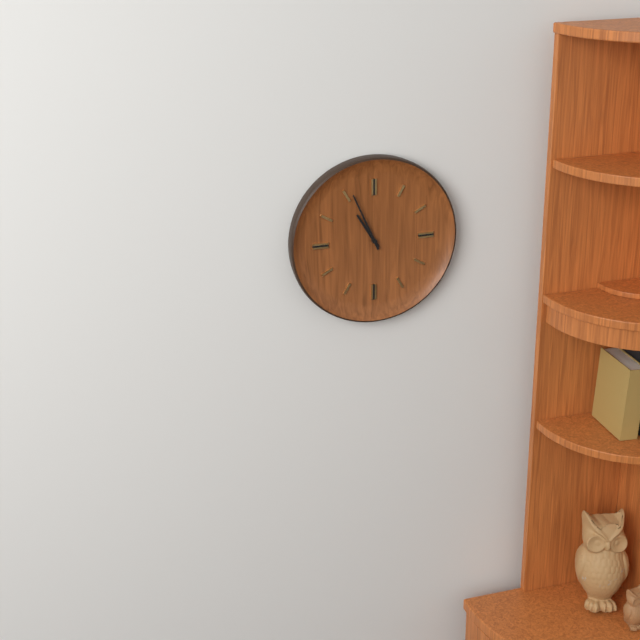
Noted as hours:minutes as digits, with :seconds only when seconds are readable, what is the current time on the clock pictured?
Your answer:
10:56
